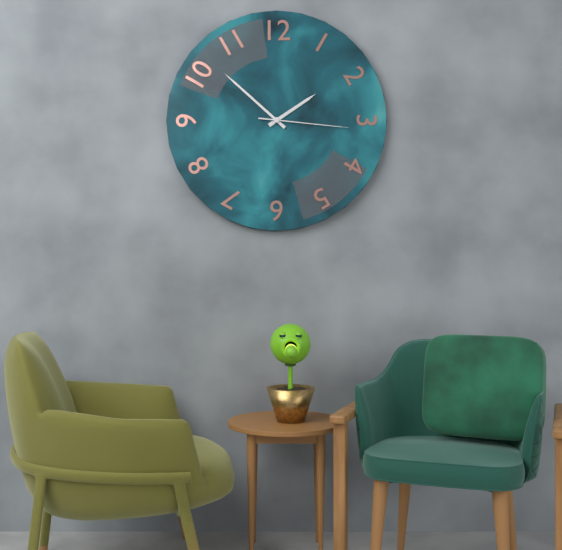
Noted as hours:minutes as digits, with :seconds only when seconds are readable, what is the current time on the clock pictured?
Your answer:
1:52:16
